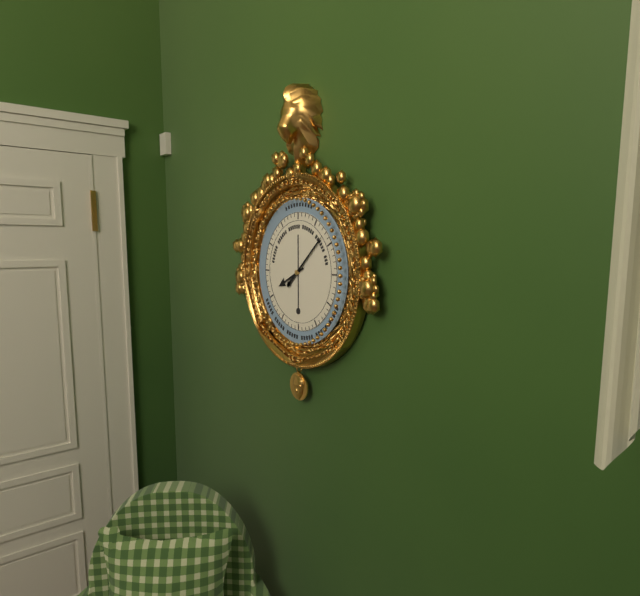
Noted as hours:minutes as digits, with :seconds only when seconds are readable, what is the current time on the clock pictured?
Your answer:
8:08
